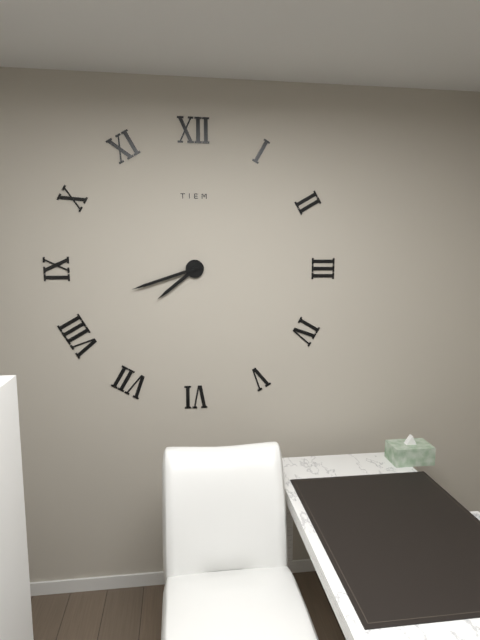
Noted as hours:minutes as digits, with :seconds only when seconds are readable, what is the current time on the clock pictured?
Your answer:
7:42
